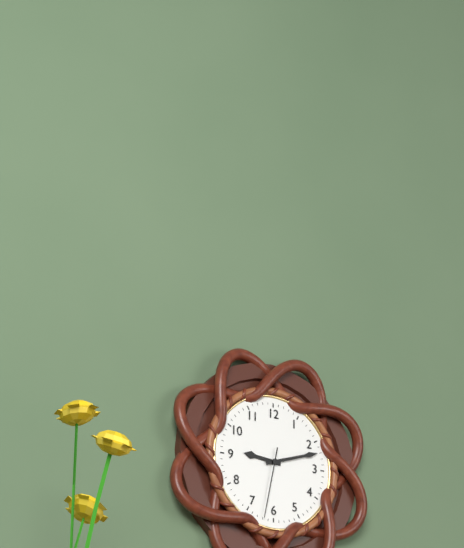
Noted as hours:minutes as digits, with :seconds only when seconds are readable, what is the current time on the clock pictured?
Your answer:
9:12:32
